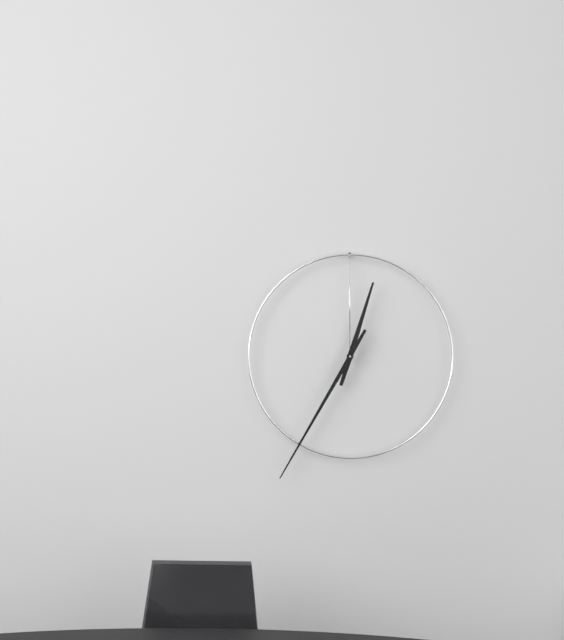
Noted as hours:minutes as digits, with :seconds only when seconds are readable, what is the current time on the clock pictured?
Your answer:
12:35
